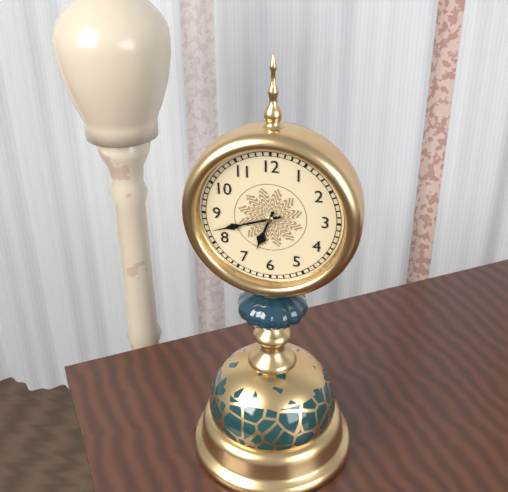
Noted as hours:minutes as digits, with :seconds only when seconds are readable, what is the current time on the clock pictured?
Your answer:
6:42
